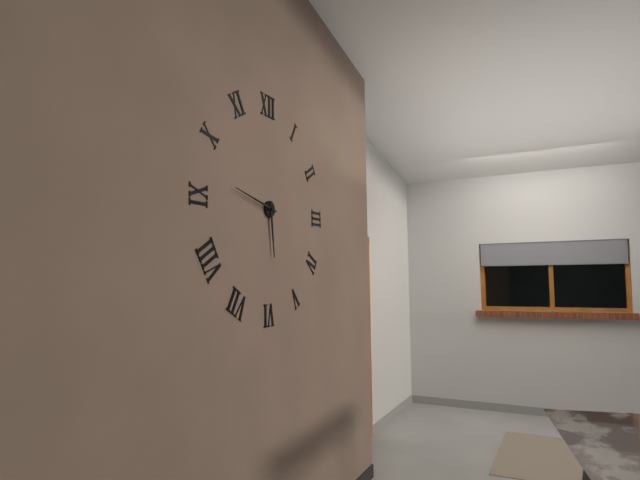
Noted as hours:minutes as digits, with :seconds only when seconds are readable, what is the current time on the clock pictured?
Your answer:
5:47
